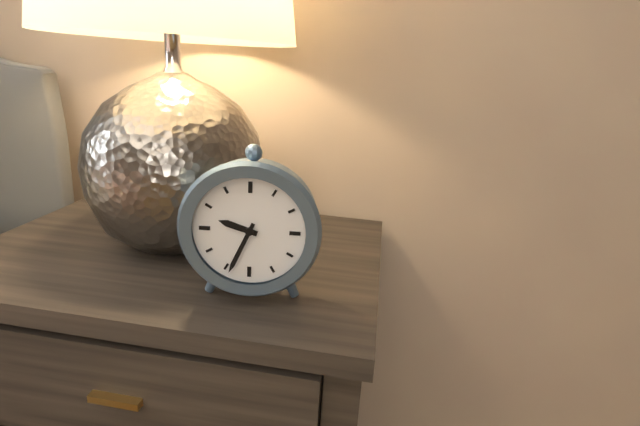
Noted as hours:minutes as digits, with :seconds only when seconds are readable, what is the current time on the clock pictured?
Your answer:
9:34
